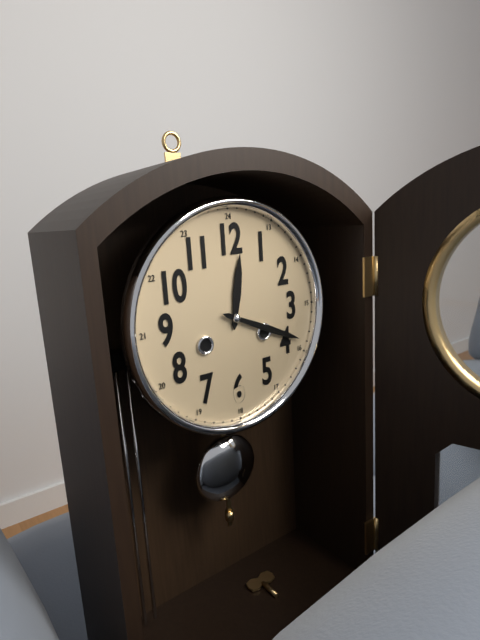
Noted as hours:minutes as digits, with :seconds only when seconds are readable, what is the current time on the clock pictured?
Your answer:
12:19
